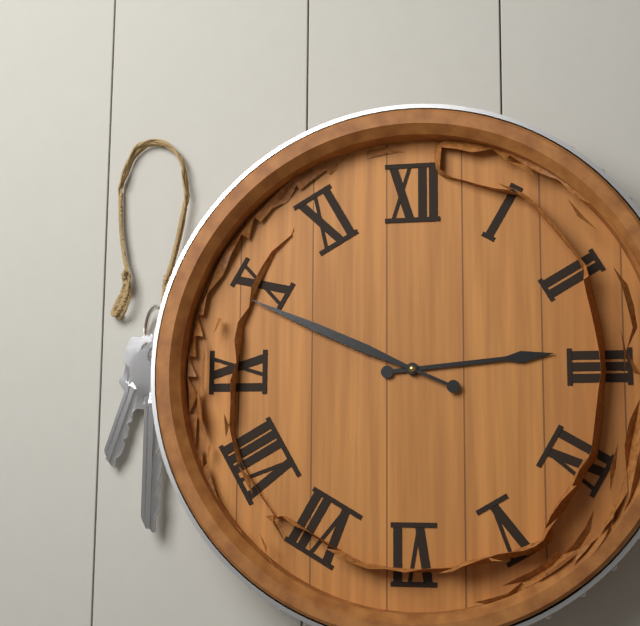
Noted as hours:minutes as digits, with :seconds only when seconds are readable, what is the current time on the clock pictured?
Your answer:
2:49
